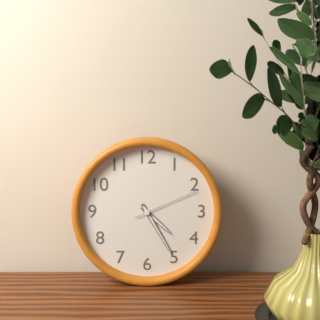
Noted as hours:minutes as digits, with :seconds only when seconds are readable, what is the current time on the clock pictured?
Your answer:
4:25:11
